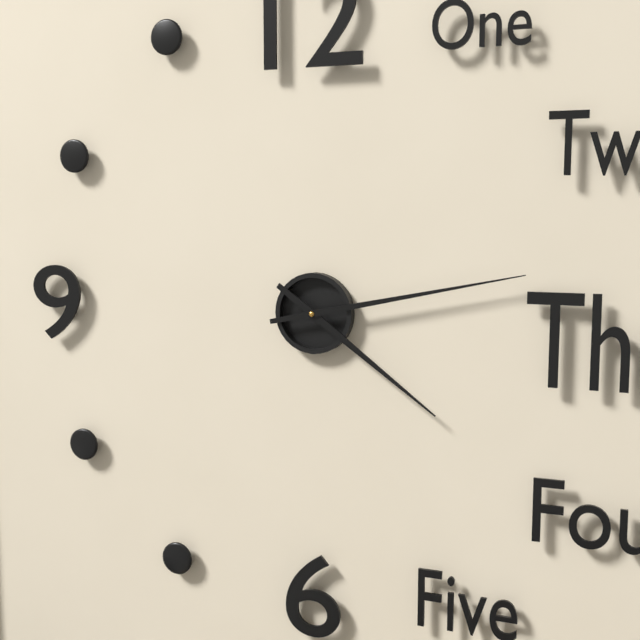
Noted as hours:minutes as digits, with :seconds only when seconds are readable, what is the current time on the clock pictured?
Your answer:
4:13
